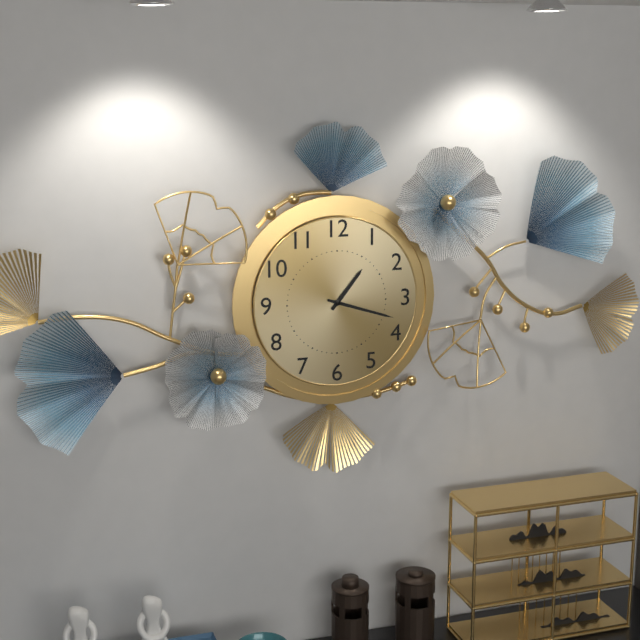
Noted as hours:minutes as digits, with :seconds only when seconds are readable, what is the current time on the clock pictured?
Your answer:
1:18
